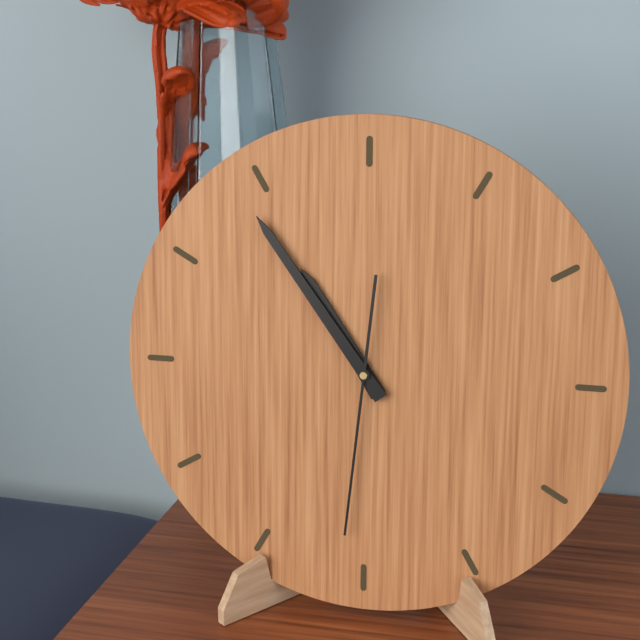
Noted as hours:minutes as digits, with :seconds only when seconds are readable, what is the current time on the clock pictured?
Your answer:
10:54:31
